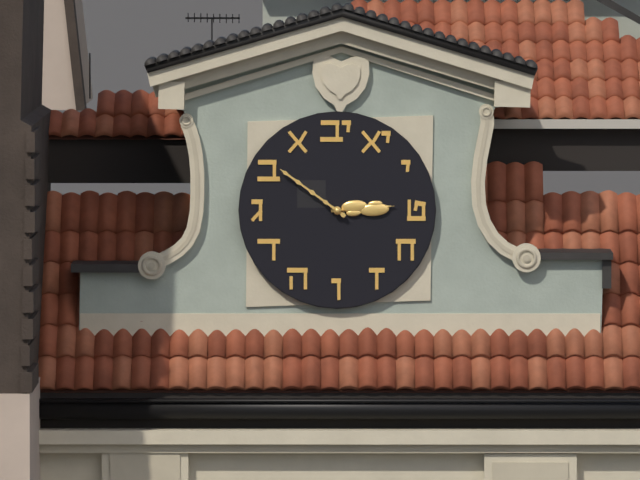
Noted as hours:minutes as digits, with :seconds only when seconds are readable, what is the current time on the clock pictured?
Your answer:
2:51
